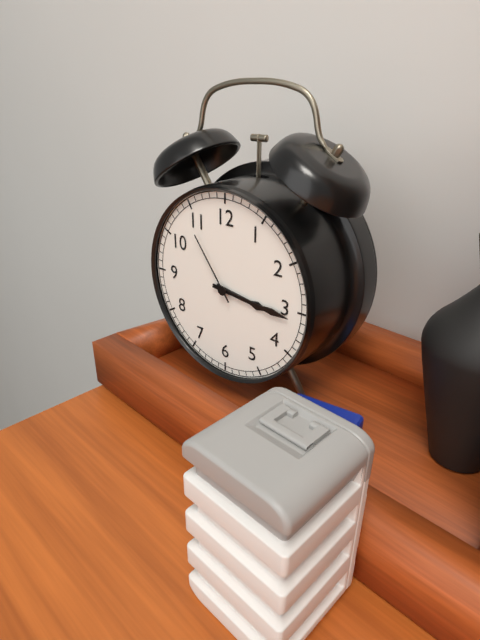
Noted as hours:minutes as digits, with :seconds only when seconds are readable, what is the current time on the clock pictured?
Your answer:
3:16:54
